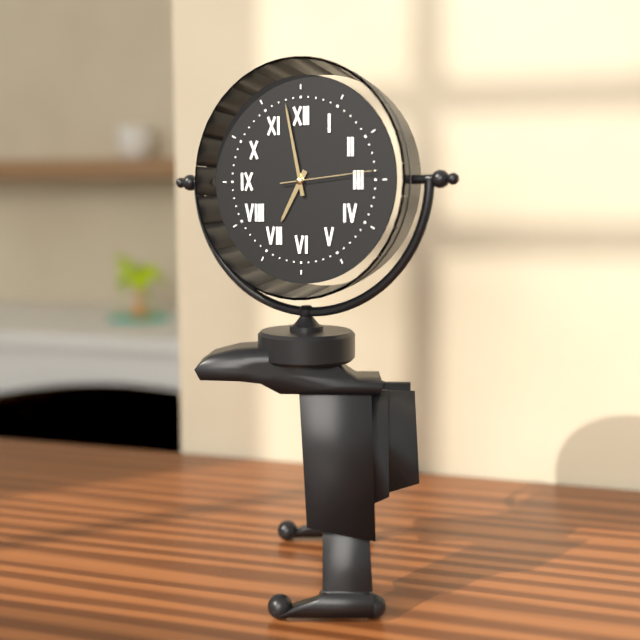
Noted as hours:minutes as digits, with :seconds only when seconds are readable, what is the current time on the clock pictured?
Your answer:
6:58:14
